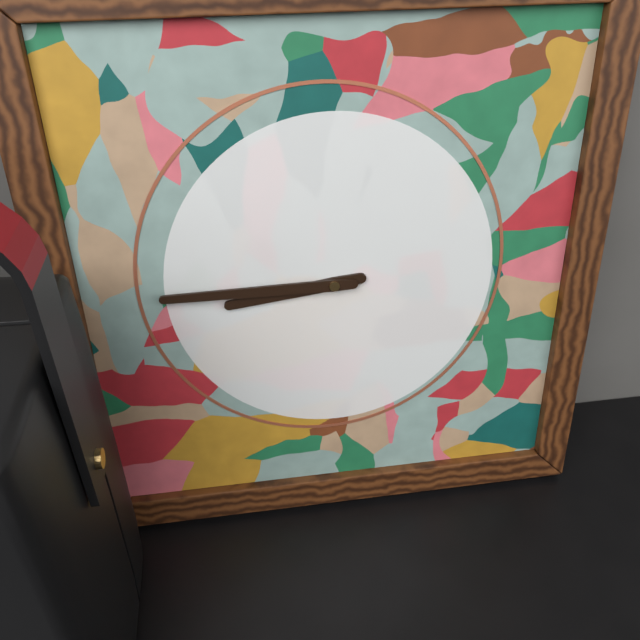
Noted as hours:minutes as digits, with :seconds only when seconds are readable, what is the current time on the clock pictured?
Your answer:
8:45
